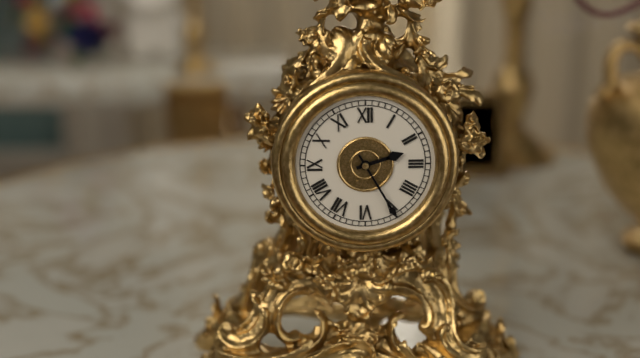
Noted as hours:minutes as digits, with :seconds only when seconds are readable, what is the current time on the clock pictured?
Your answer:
2:25
